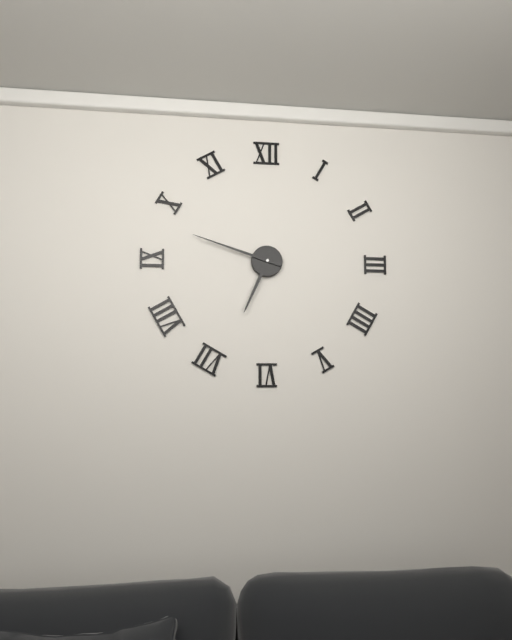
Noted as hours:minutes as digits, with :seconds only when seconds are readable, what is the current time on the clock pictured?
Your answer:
6:48
